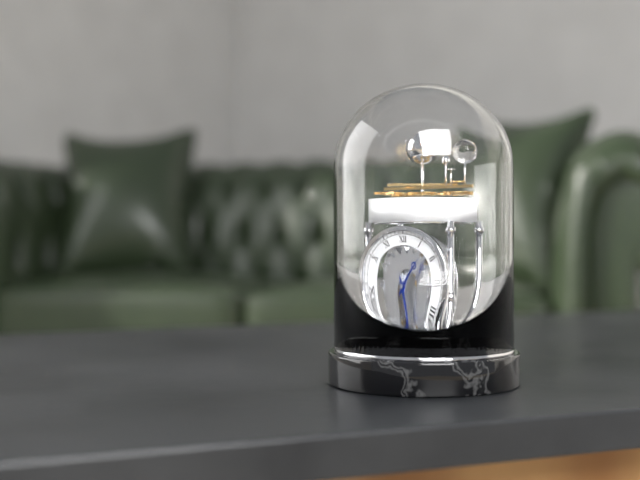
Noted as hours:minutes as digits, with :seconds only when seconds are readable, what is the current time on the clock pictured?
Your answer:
1:27
